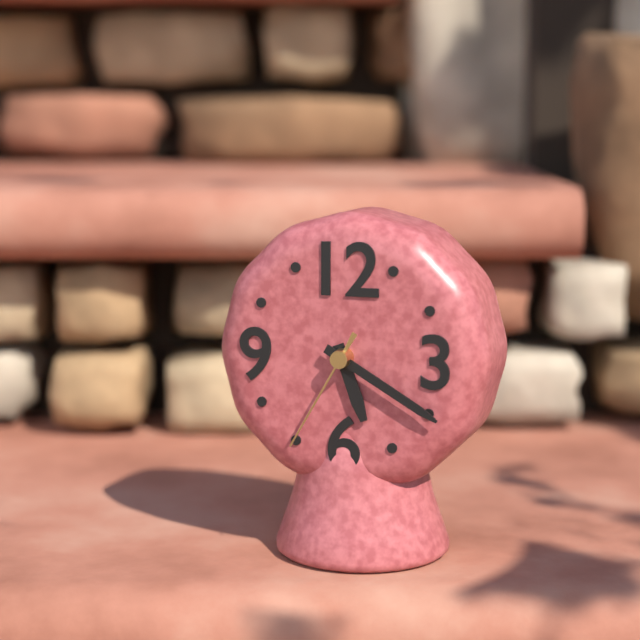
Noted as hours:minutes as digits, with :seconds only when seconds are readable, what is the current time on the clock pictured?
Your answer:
5:20:35
